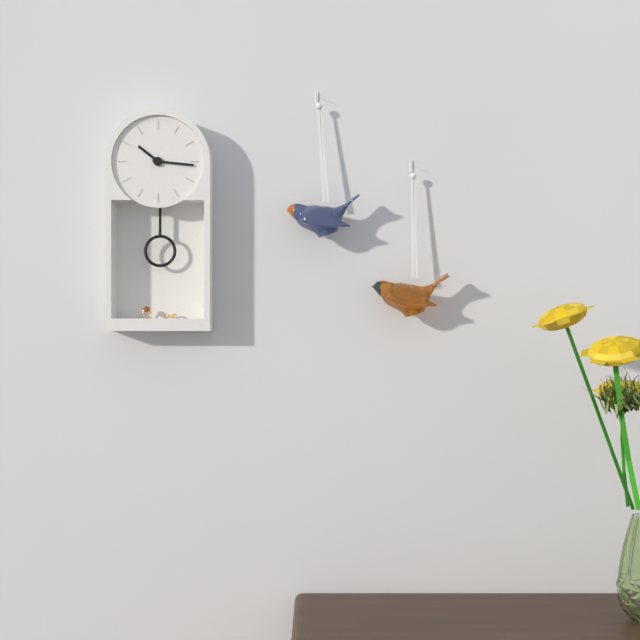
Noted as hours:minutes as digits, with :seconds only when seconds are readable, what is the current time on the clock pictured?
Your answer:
10:16
